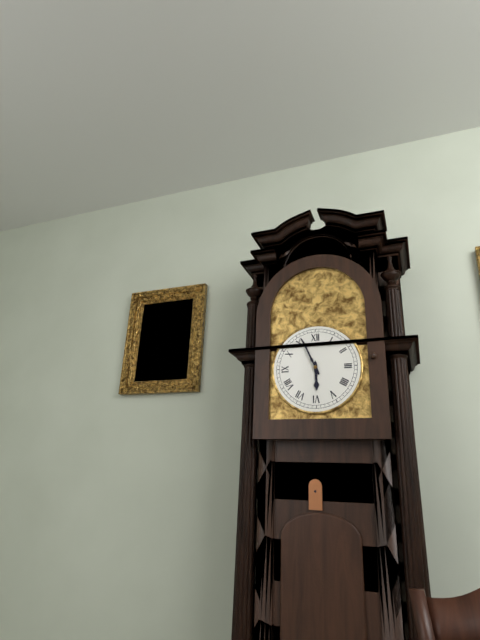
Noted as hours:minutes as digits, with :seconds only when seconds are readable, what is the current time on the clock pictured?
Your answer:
5:56
